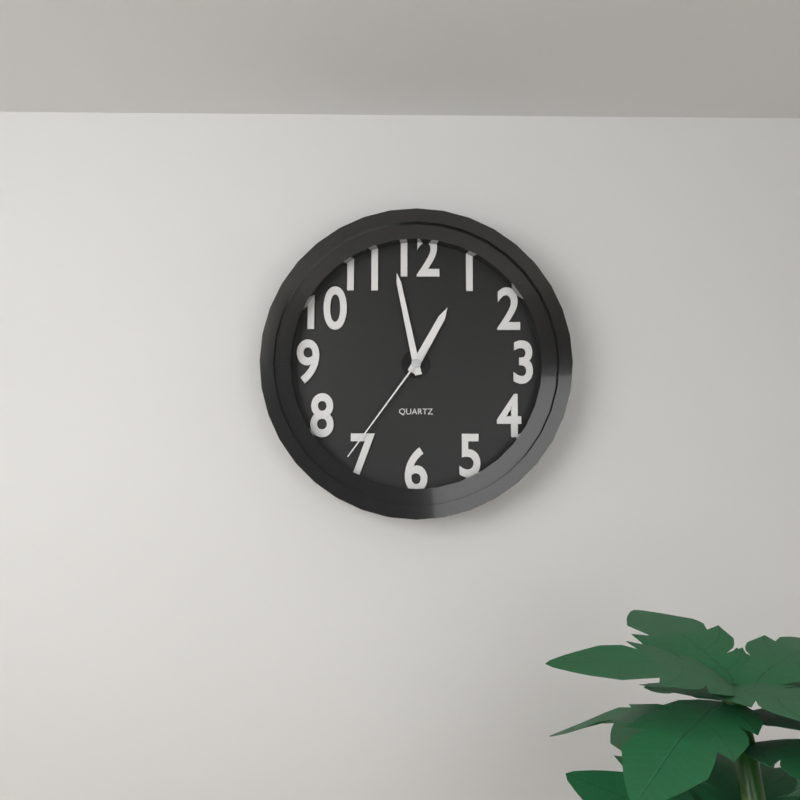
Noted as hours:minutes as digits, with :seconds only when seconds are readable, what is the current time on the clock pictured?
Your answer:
12:58:36
